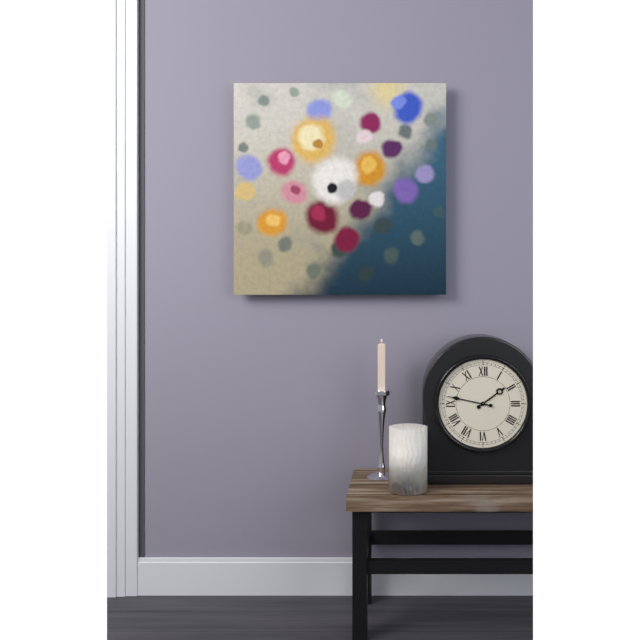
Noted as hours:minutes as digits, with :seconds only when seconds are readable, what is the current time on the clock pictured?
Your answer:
1:47
